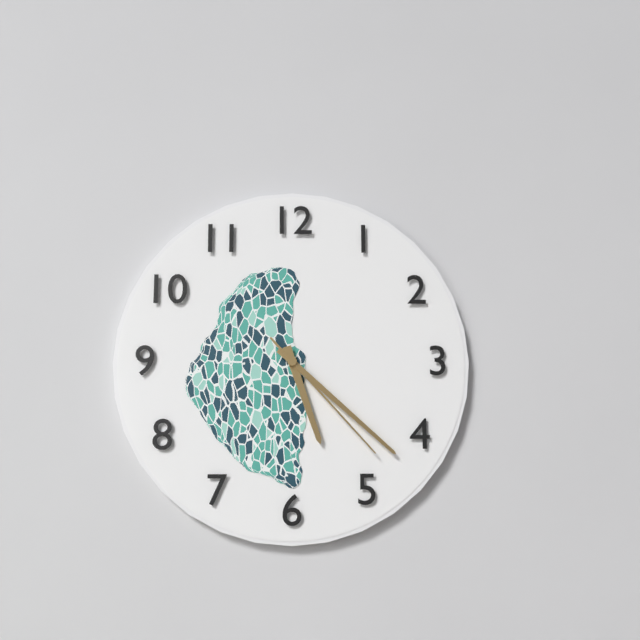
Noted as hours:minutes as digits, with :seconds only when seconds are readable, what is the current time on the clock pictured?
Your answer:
5:22:23
